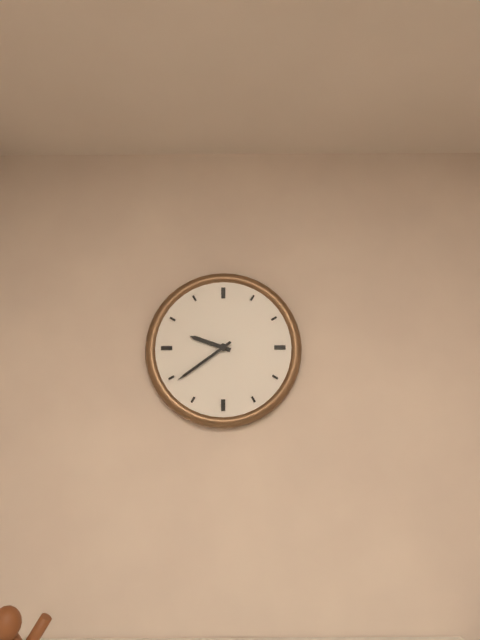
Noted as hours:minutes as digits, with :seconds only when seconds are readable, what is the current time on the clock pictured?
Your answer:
9:39
